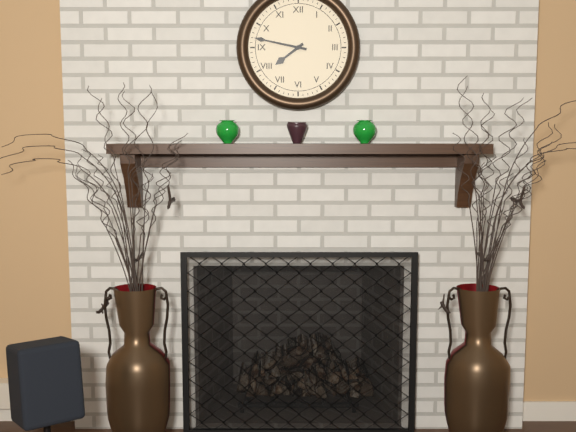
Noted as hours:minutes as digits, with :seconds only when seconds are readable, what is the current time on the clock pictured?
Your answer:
7:47
